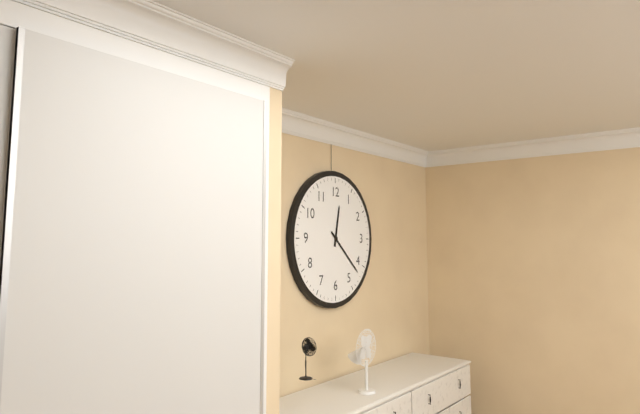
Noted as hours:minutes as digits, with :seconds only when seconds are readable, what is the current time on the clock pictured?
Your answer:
12:22
